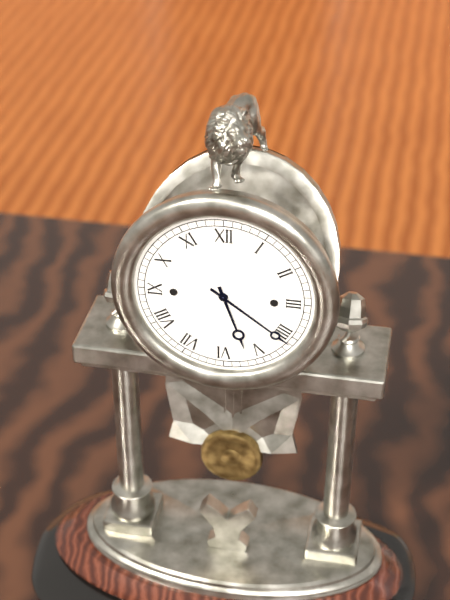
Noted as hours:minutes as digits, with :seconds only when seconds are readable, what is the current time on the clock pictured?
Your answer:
5:21
